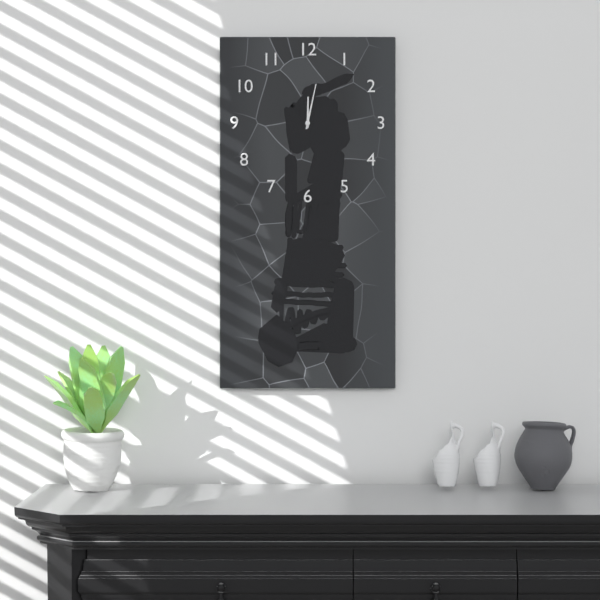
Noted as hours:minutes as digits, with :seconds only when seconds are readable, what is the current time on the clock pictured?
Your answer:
12:02
